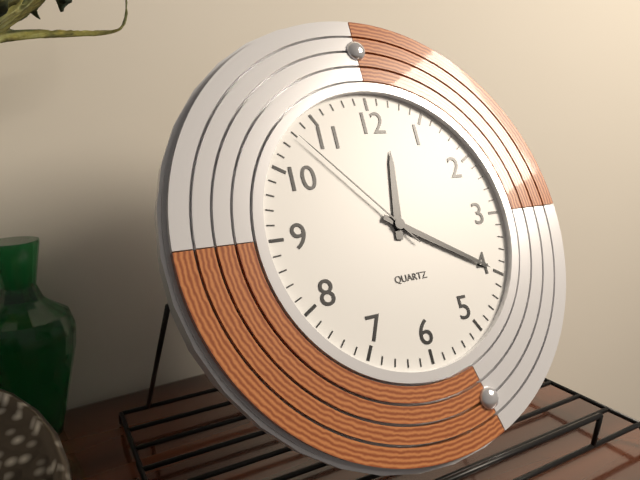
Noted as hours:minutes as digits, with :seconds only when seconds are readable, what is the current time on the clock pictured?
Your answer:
12:20:53
